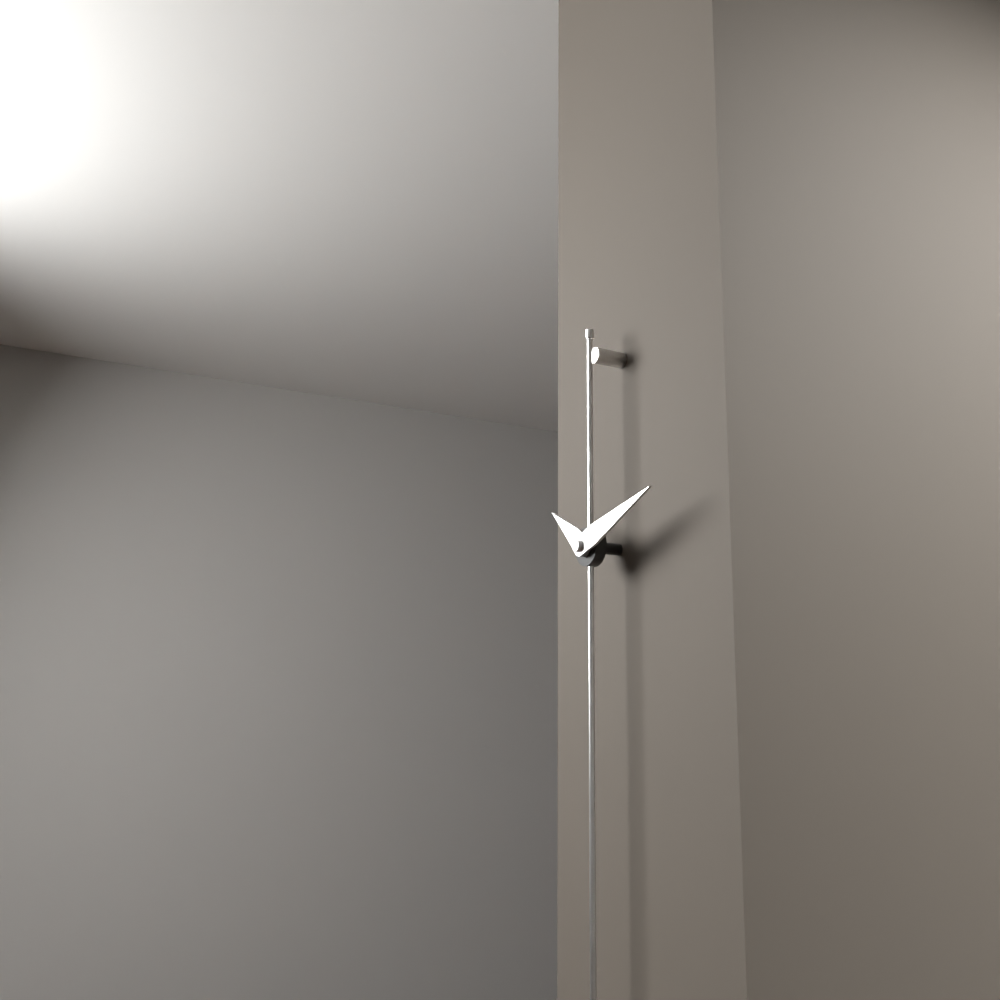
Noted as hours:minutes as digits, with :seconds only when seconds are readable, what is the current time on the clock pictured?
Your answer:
10:12
